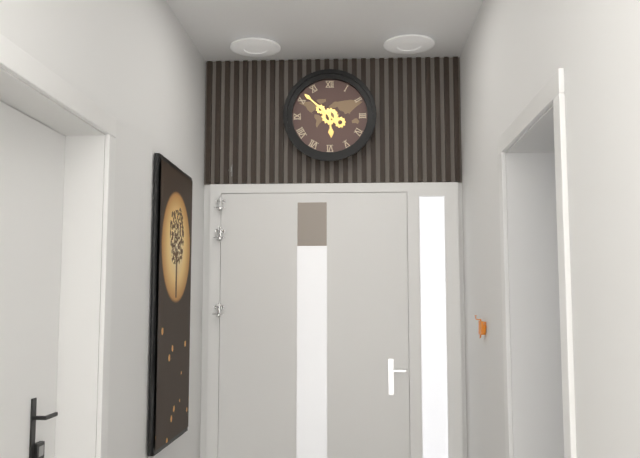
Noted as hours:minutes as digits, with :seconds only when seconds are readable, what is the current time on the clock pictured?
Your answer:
5:52
